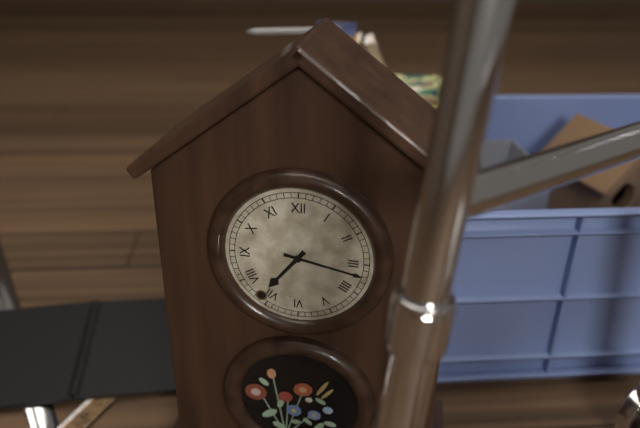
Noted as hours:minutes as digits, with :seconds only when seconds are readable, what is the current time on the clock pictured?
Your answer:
7:17
